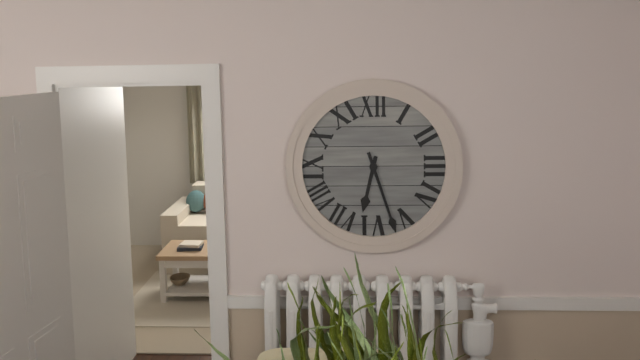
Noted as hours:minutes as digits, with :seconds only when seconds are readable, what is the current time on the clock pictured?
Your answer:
6:27
